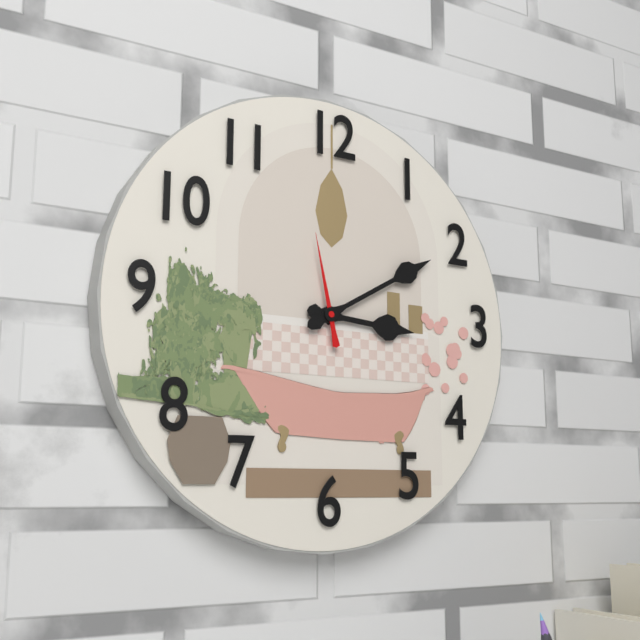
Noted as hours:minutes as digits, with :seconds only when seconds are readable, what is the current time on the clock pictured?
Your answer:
3:10:58
